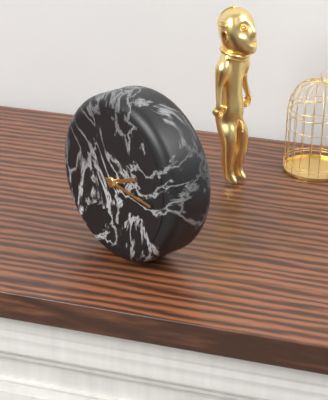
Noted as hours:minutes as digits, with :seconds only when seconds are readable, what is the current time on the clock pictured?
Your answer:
2:16
